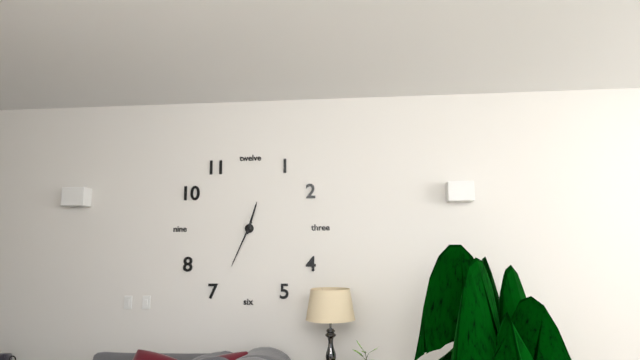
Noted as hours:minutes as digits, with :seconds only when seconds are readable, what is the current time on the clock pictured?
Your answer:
12:34
